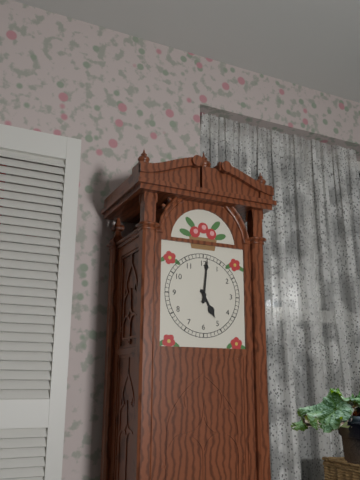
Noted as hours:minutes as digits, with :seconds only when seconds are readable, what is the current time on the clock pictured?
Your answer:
5:01
